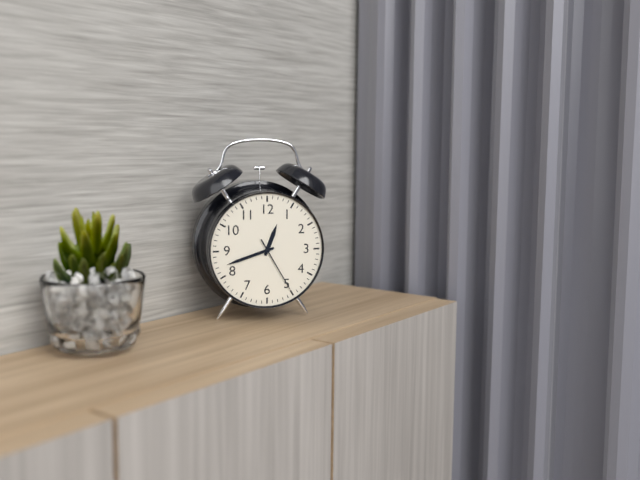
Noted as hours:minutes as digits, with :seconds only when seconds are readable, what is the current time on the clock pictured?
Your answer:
12:42:25
